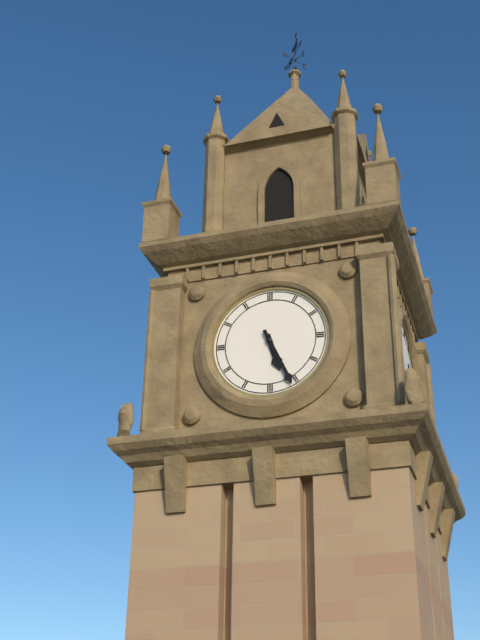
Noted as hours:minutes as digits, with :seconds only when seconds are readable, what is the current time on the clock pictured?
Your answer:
5:26
